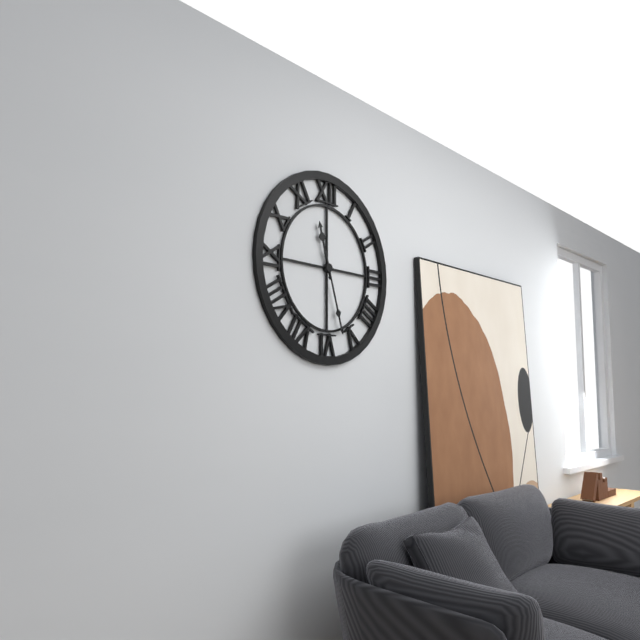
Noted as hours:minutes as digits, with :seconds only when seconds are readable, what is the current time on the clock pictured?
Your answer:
11:27
